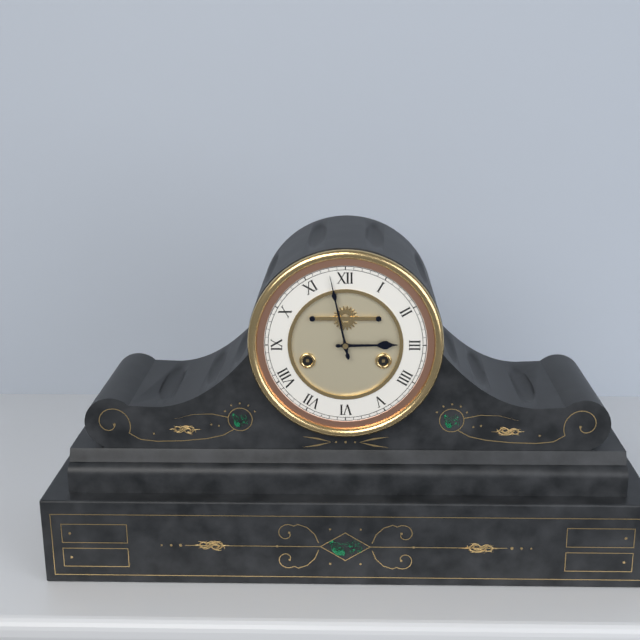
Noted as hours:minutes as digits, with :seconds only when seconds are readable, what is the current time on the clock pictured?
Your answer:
2:58
